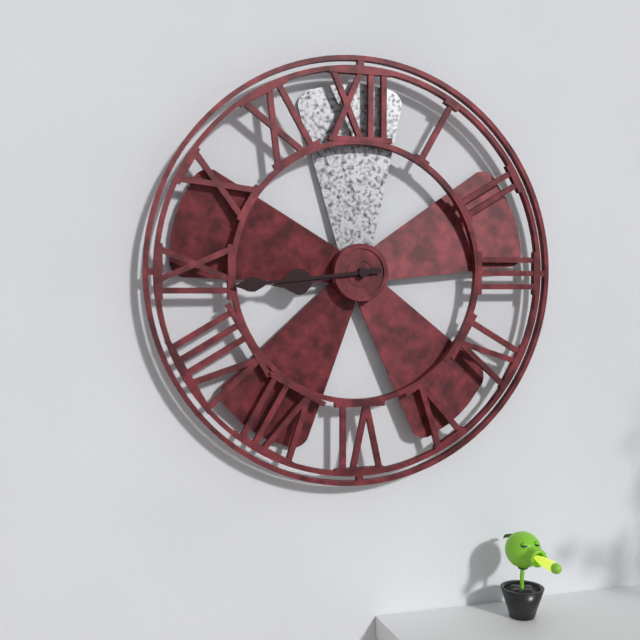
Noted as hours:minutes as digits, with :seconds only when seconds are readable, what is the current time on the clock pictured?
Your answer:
8:44
